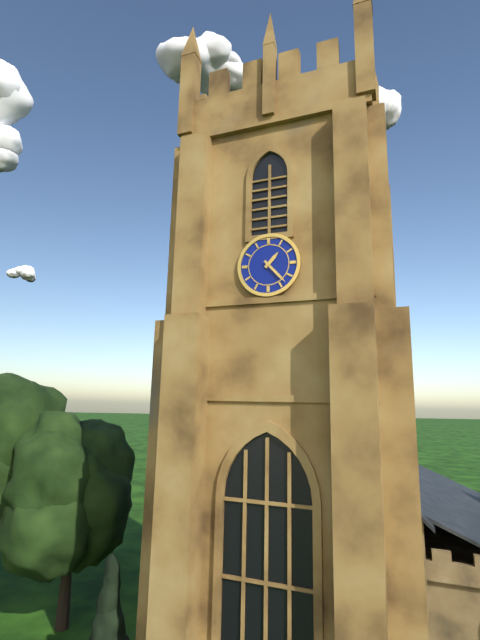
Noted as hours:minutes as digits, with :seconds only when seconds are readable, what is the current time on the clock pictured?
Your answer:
1:23
